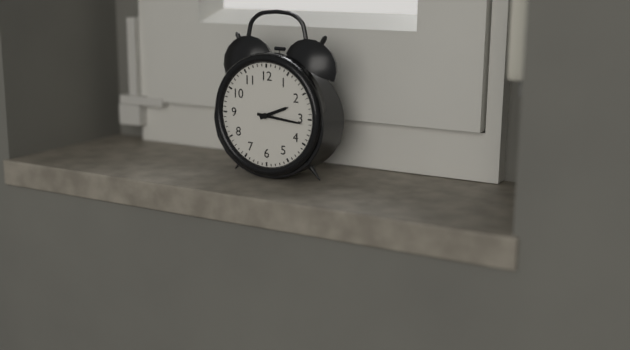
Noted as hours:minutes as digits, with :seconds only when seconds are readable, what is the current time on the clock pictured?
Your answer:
2:16
